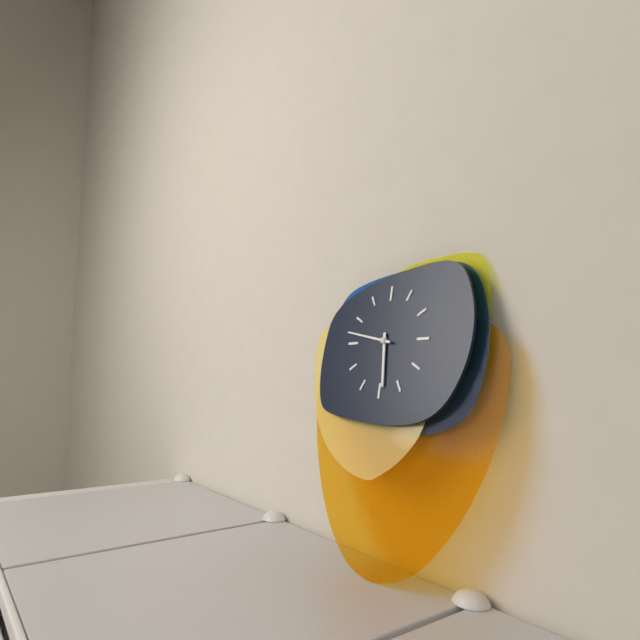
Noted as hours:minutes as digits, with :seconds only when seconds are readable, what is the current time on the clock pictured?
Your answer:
5:47
